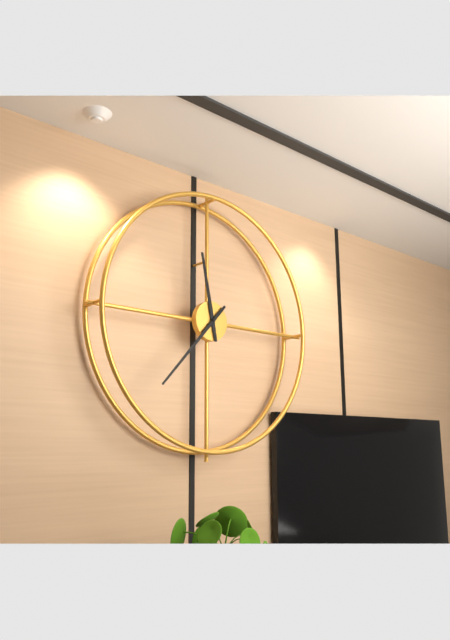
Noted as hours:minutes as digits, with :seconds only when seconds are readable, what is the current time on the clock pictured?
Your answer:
11:37
